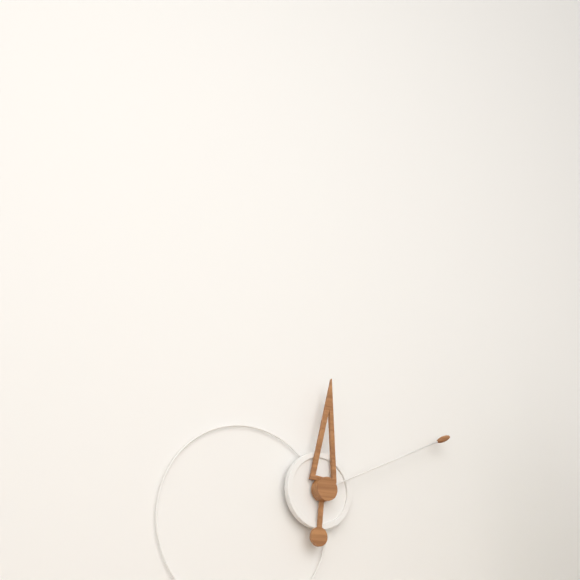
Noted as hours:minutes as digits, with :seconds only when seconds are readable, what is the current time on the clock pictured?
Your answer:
12:11
